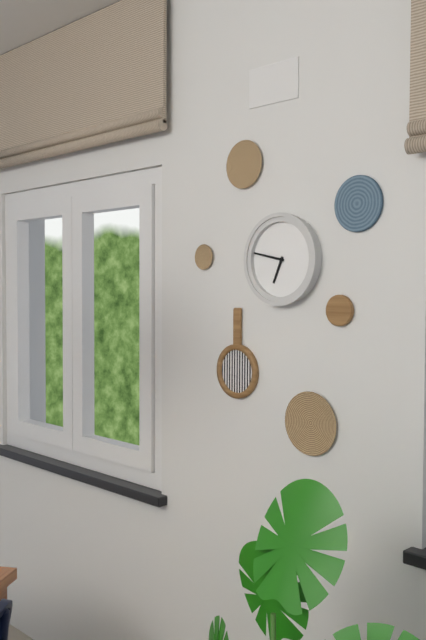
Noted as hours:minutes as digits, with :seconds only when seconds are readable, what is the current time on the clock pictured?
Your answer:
6:47
